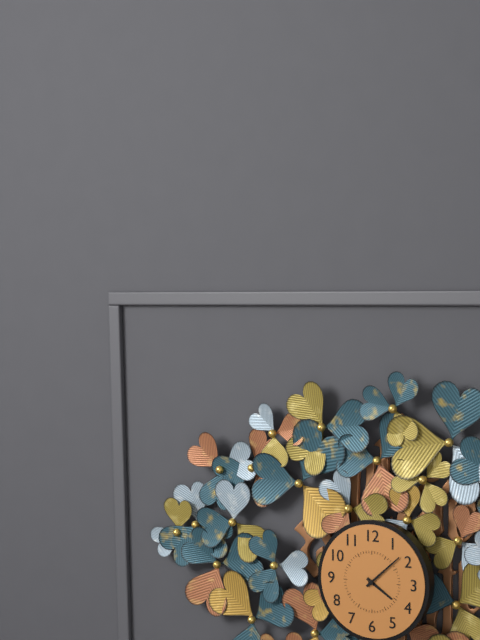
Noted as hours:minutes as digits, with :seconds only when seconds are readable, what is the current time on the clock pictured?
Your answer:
4:08
